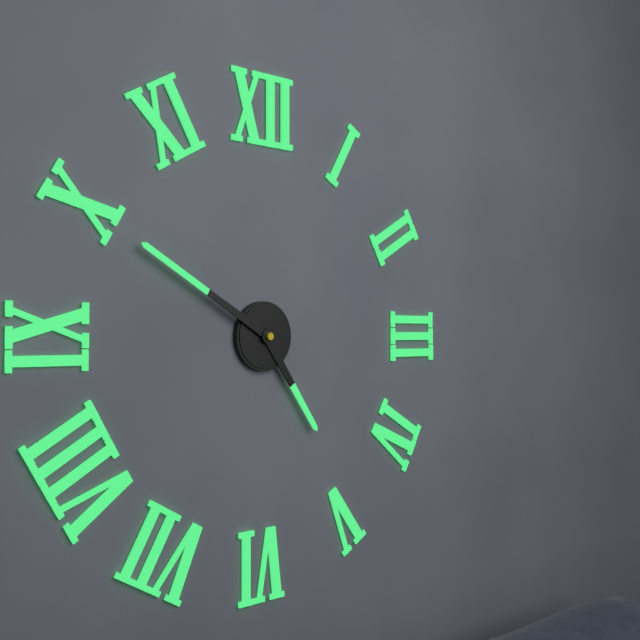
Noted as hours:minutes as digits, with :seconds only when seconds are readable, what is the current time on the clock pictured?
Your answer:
4:50
